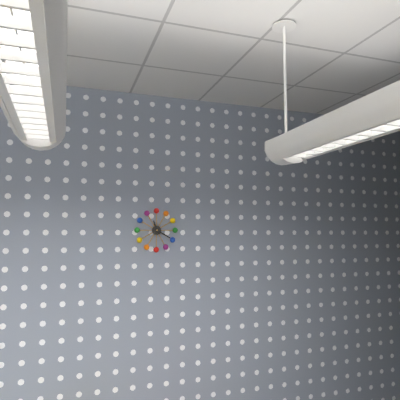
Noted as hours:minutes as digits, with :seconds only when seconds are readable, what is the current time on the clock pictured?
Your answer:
11:20
